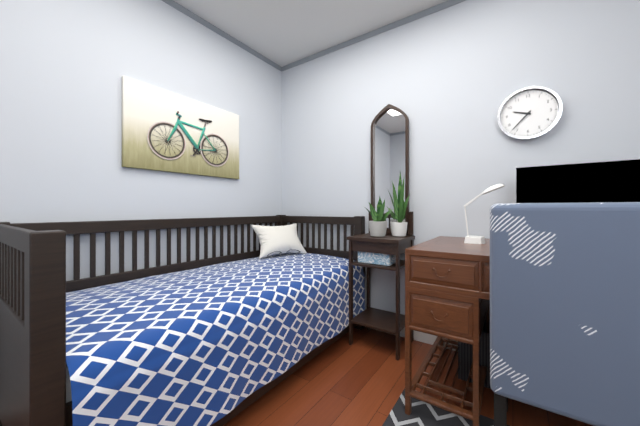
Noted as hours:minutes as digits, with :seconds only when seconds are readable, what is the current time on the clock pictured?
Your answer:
9:37
